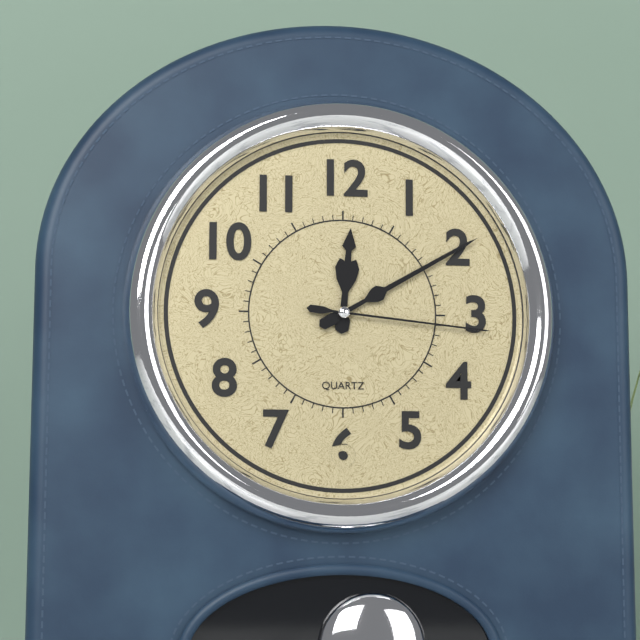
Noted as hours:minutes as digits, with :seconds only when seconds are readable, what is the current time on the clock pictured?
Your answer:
12:10:16
